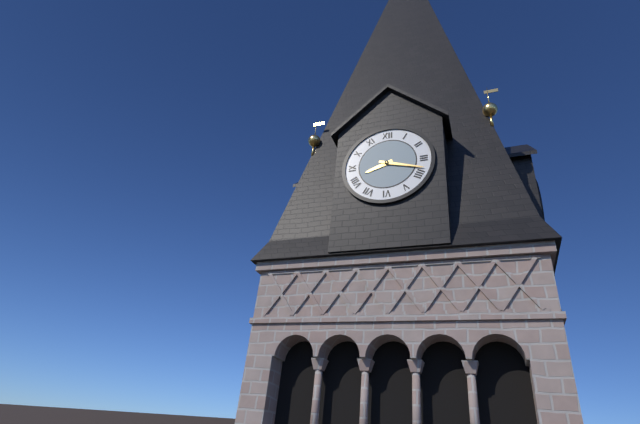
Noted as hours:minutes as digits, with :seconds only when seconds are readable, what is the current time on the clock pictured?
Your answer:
8:18
